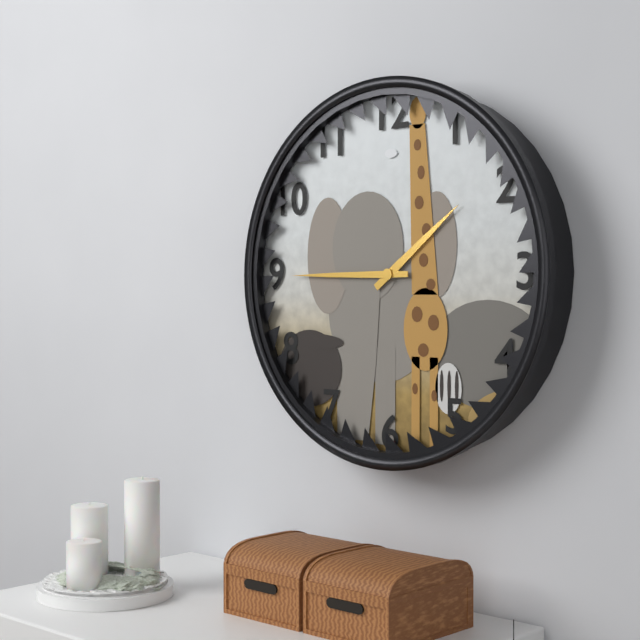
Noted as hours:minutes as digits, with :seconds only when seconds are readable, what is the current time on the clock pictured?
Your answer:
1:45
